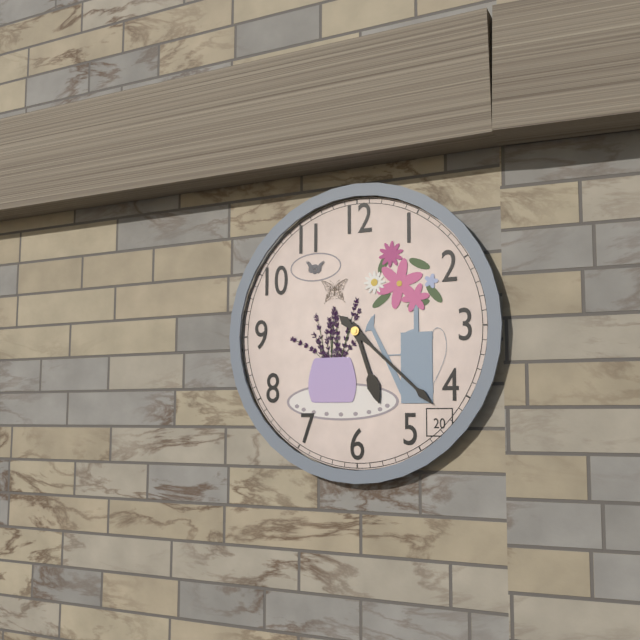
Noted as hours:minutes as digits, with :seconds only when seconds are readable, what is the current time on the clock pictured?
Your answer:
5:22
